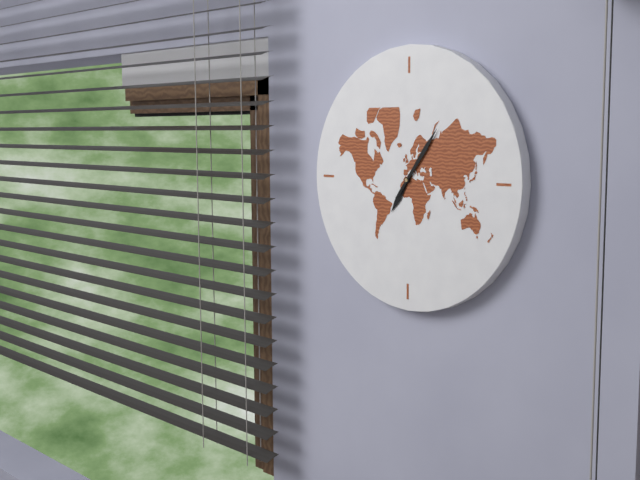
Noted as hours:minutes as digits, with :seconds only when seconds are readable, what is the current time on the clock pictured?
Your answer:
7:06
